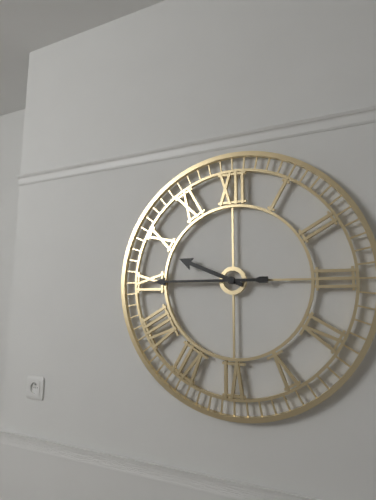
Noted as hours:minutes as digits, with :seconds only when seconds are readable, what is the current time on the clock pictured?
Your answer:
9:45
